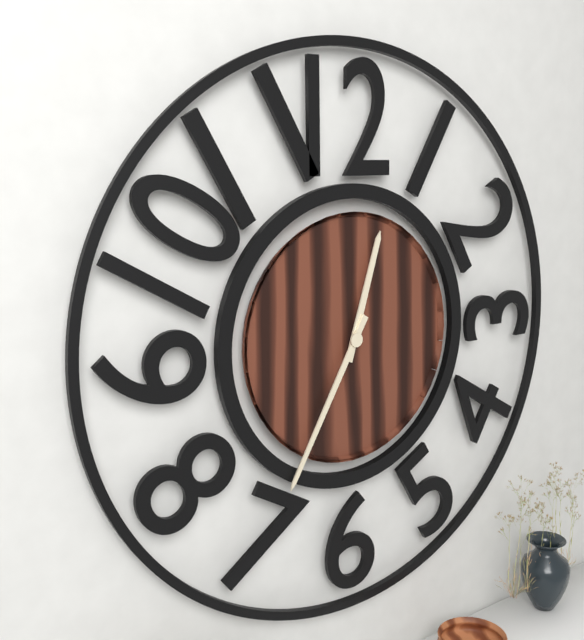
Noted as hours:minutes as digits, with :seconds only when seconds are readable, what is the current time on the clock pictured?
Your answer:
12:35
